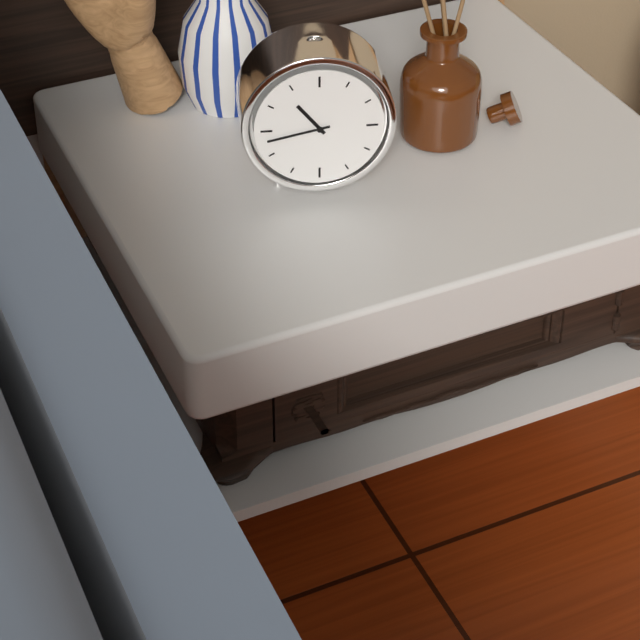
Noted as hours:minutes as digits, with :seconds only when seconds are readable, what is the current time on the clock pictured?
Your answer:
10:43
